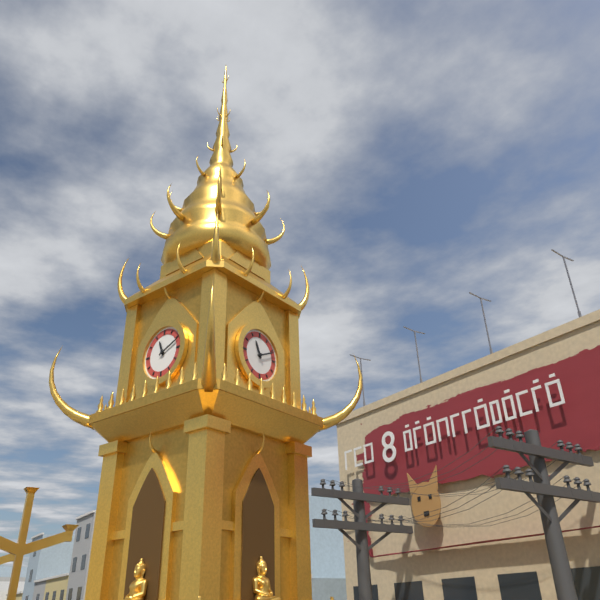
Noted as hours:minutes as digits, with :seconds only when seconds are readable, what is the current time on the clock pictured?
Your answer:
11:11
